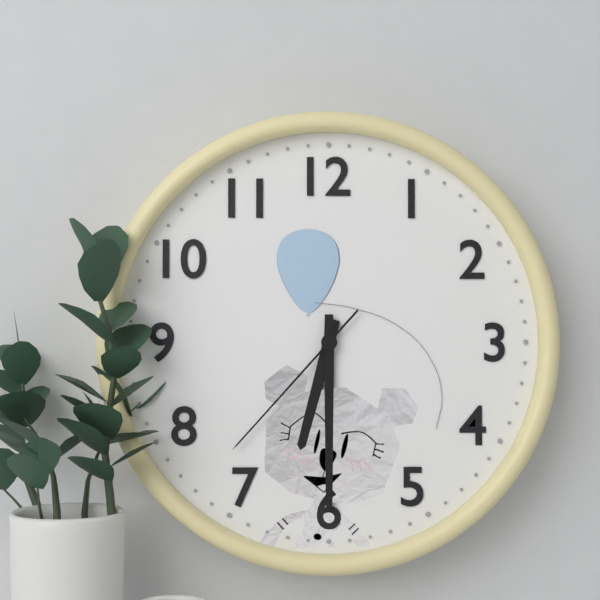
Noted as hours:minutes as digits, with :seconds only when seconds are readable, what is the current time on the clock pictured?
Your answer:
6:30:37
